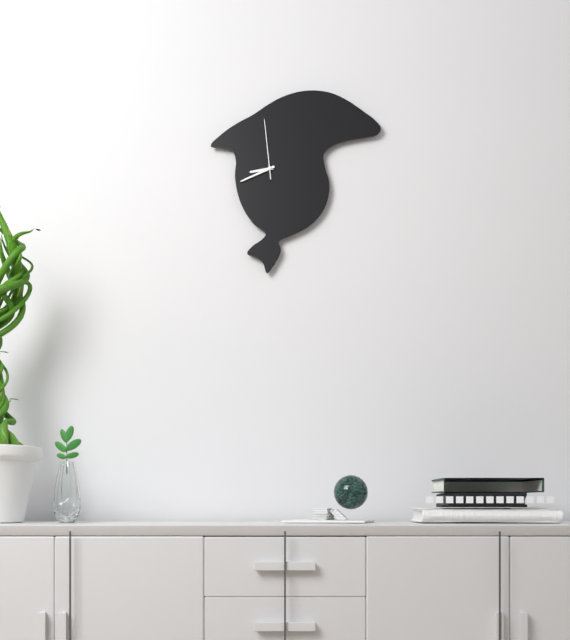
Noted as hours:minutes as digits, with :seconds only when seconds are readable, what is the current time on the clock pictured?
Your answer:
8:41:59
